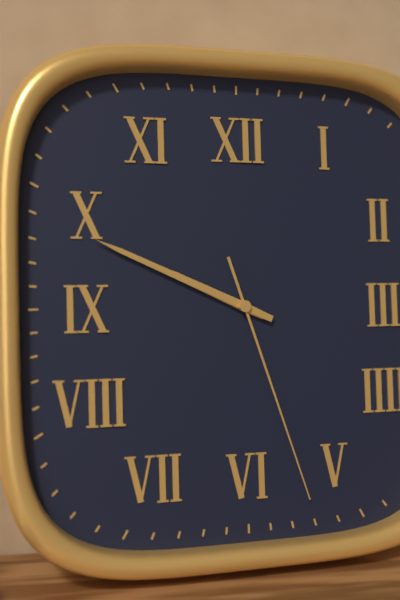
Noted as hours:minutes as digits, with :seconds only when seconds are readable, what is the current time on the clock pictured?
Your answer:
9:49:27
